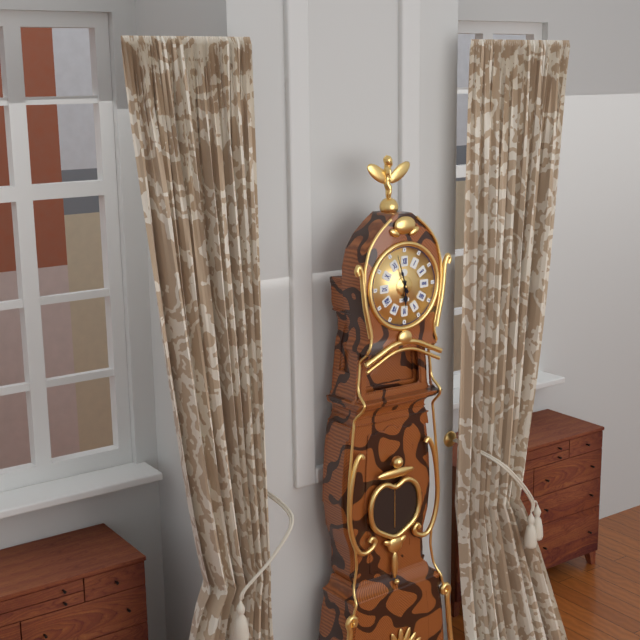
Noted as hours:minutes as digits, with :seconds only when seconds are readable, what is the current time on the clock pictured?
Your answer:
5:57
